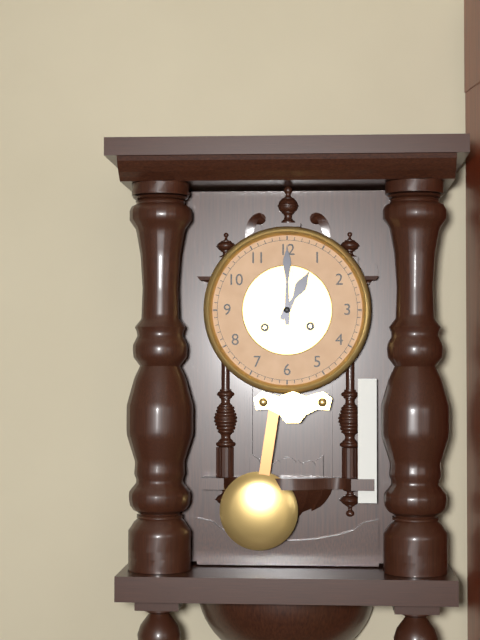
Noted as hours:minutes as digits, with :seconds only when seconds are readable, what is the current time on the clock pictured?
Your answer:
1:00
